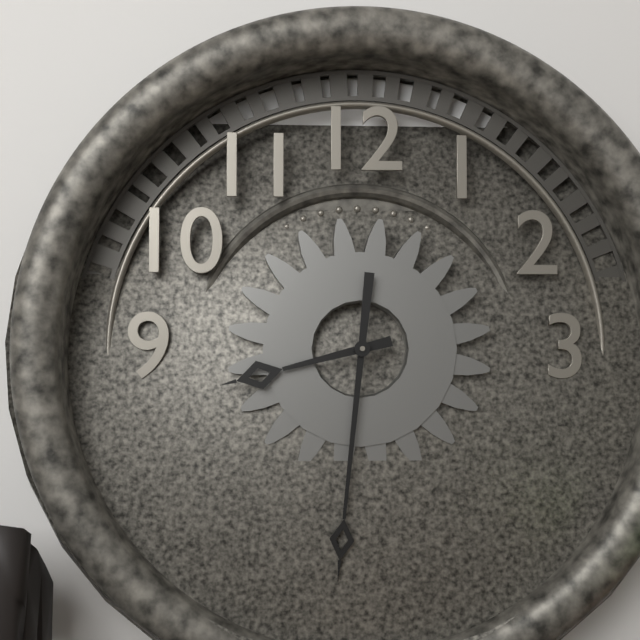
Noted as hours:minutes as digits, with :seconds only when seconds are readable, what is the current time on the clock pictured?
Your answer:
8:31
